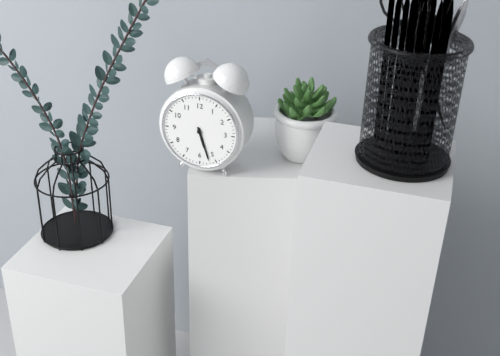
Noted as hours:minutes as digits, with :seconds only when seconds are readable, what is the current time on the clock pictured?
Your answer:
5:27
